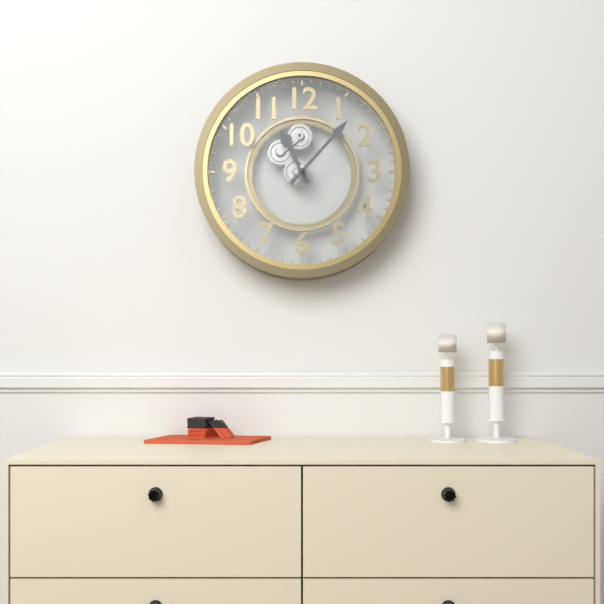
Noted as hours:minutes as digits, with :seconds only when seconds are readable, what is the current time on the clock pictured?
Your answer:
11:07
